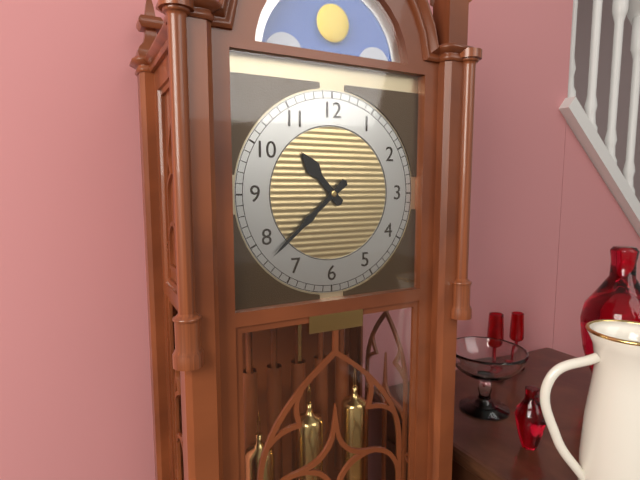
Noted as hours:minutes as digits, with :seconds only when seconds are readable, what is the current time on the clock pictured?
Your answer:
10:38
